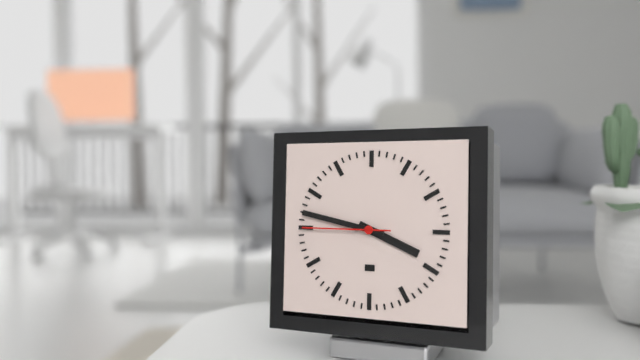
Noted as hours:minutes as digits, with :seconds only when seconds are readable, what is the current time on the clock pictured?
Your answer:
3:47:45
